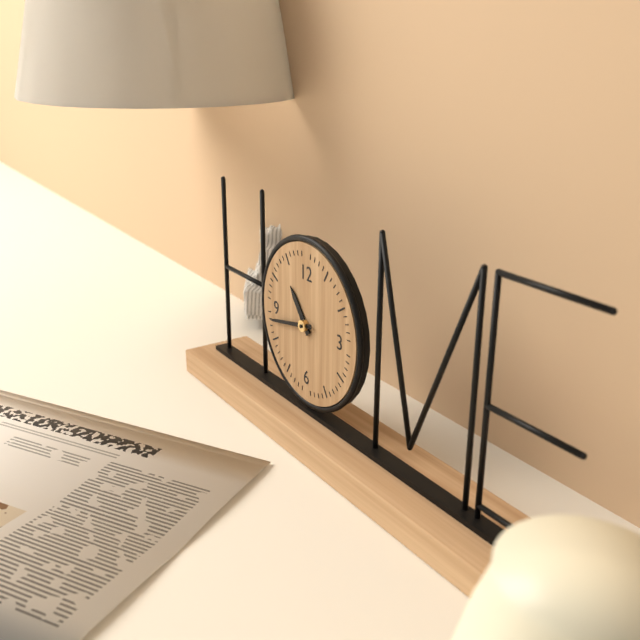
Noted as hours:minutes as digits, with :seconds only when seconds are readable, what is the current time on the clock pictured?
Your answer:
10:43
